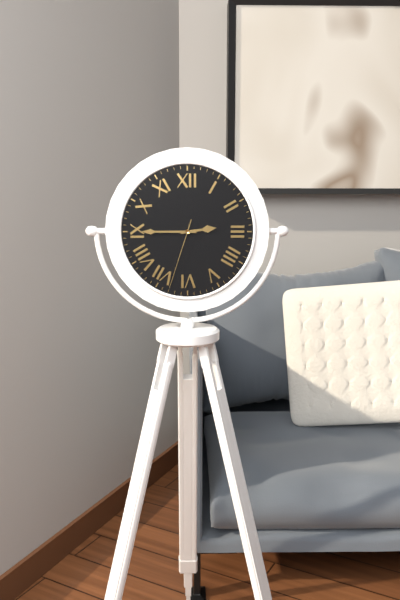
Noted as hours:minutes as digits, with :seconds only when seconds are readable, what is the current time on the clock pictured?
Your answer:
2:45:33
